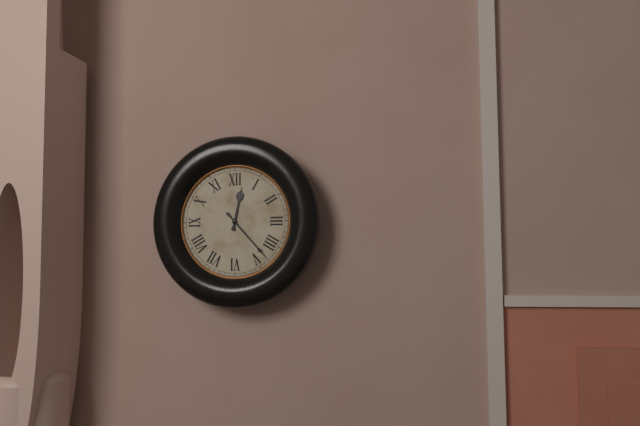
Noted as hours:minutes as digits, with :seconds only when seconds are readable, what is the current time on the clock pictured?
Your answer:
12:23
